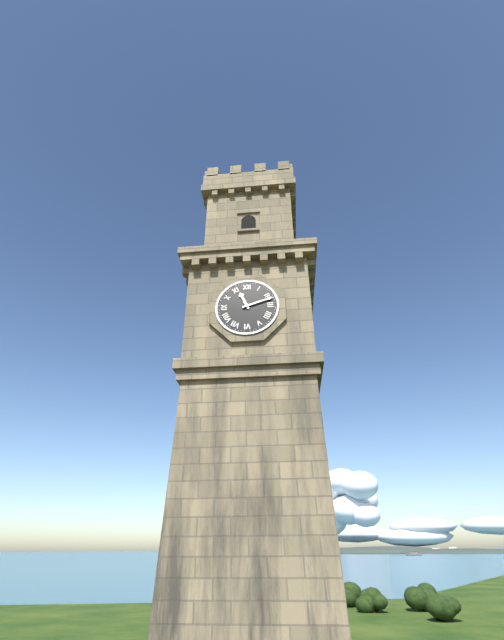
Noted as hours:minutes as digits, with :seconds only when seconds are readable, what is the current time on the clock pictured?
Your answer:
11:12
